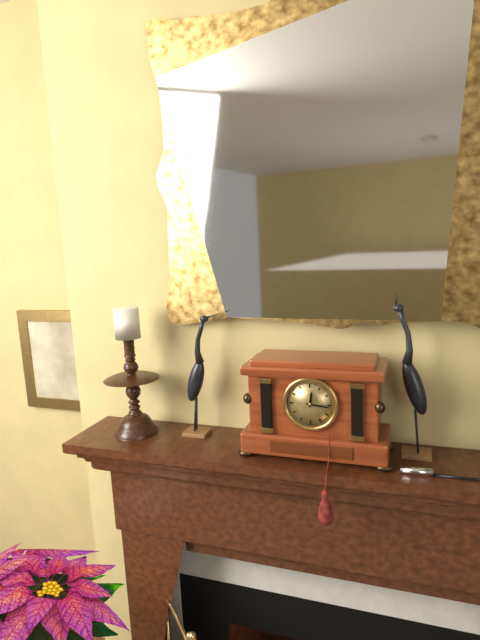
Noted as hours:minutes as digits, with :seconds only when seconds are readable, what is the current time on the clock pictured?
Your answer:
12:16
